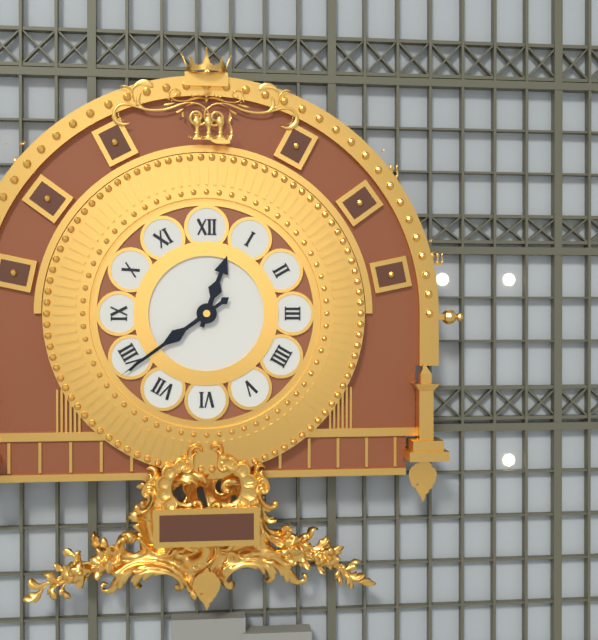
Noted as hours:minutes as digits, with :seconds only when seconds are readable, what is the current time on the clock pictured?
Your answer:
12:39
